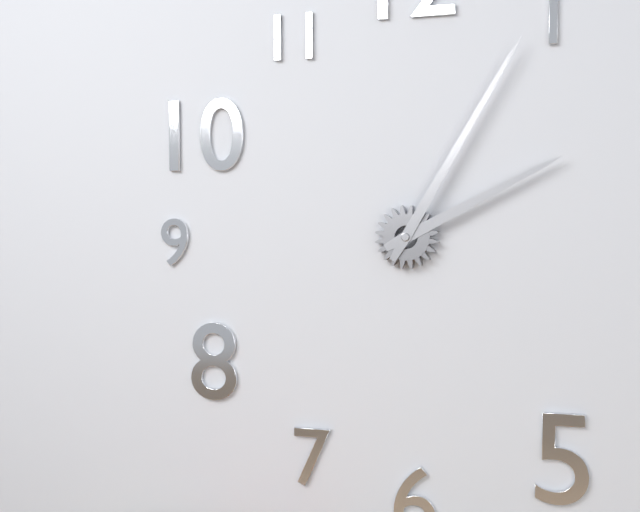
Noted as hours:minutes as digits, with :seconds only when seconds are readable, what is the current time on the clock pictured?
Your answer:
2:05
